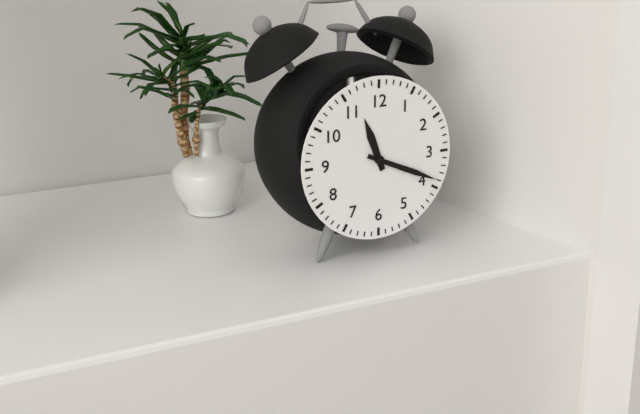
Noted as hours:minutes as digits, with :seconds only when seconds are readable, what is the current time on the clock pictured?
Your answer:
11:19
